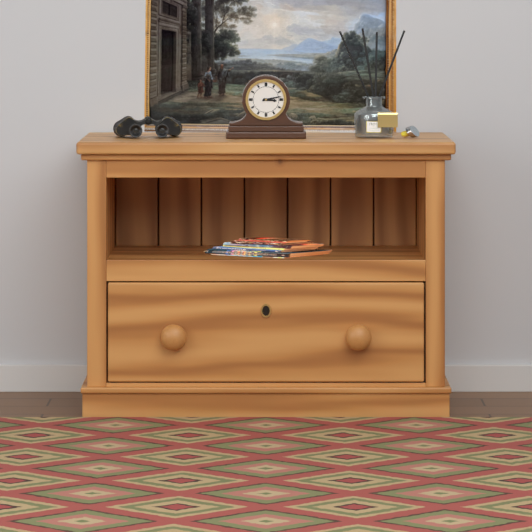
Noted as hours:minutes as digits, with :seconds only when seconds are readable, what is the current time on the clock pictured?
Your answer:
3:13
